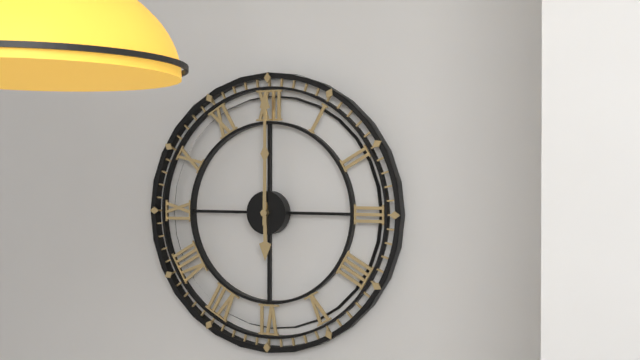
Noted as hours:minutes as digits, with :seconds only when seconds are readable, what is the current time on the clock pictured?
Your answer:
6:00
